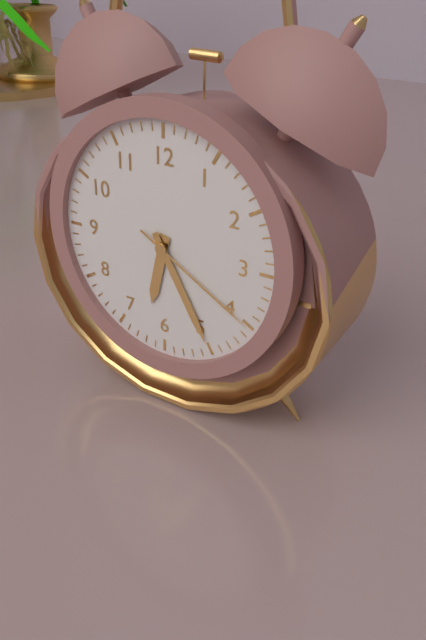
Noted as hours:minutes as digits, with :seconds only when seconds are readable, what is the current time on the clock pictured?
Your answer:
6:25:20
